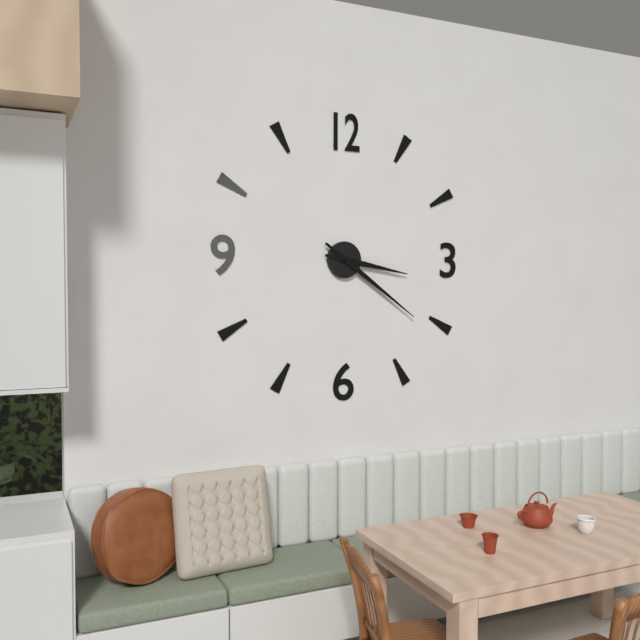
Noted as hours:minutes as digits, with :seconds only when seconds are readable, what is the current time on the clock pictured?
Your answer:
3:21
